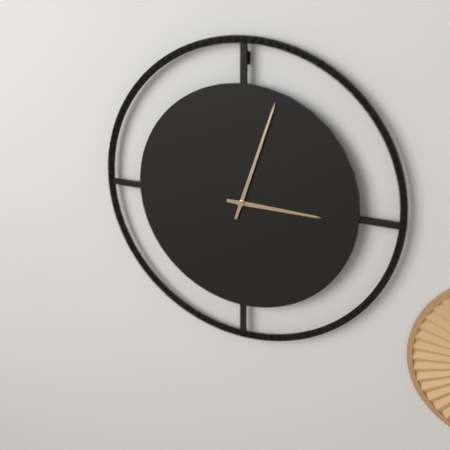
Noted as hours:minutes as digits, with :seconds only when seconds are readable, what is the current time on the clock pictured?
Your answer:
3:03
